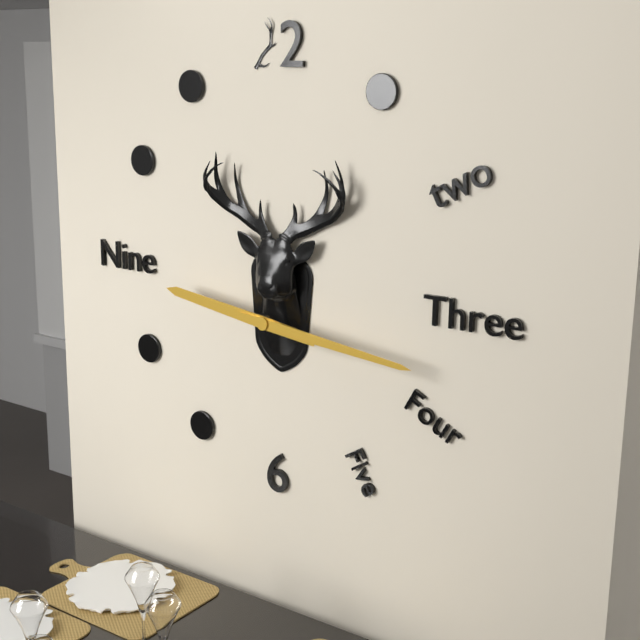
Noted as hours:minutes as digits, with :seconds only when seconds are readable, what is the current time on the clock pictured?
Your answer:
9:16
